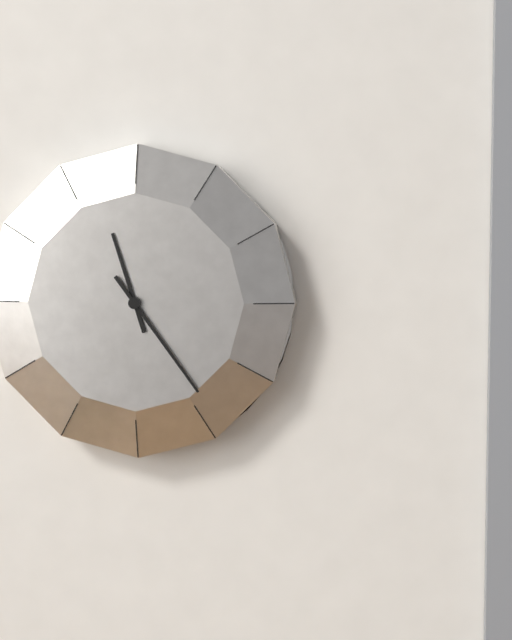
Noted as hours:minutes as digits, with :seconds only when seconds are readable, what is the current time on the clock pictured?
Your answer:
11:24
